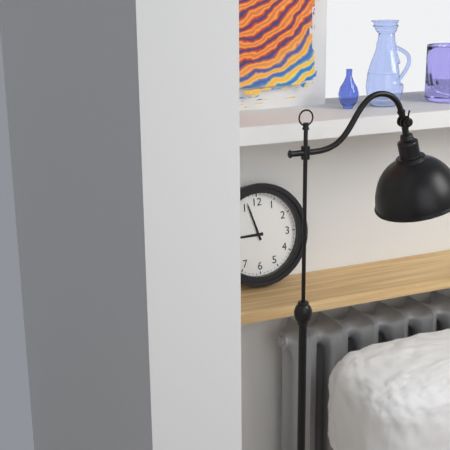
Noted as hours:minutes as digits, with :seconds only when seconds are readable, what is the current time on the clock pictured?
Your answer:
8:57
